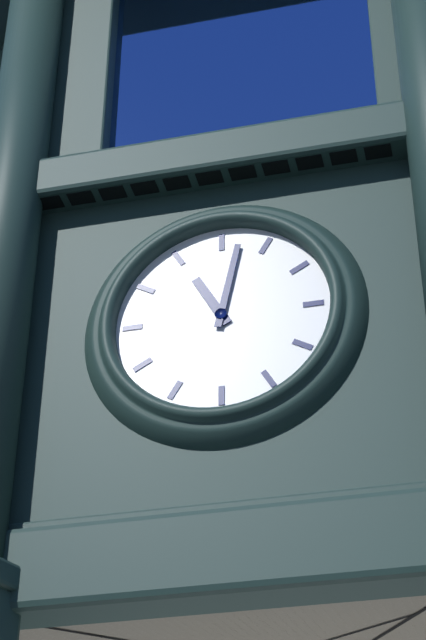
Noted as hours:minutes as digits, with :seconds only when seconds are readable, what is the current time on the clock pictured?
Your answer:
11:02
